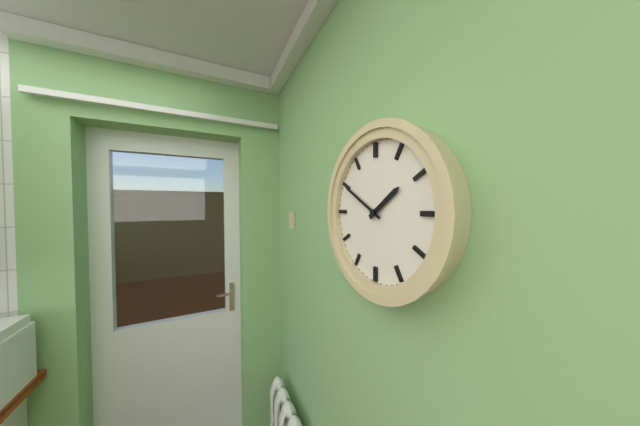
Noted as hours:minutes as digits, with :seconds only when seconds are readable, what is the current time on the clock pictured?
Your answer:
1:50
